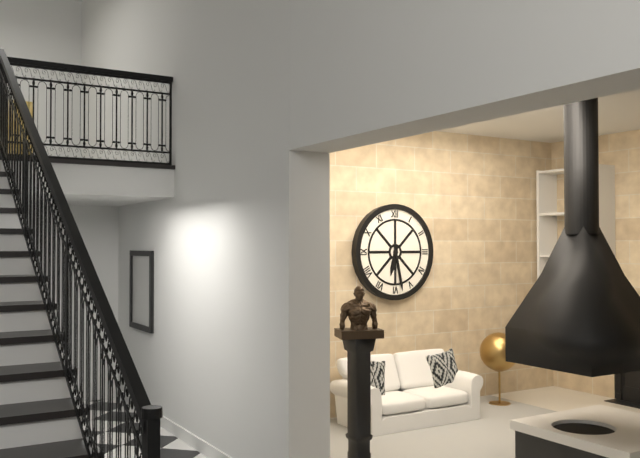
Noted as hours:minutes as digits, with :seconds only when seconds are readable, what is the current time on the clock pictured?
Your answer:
6:28
